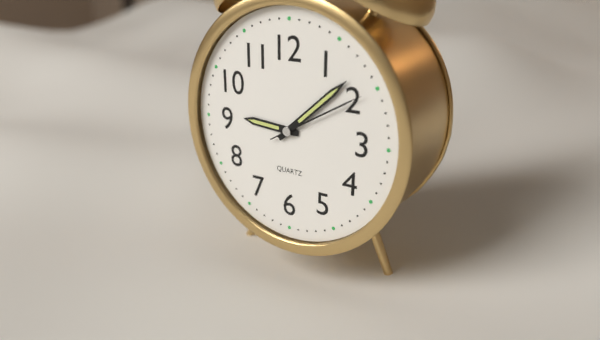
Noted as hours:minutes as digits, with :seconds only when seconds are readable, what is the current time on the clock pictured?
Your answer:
9:08:10
